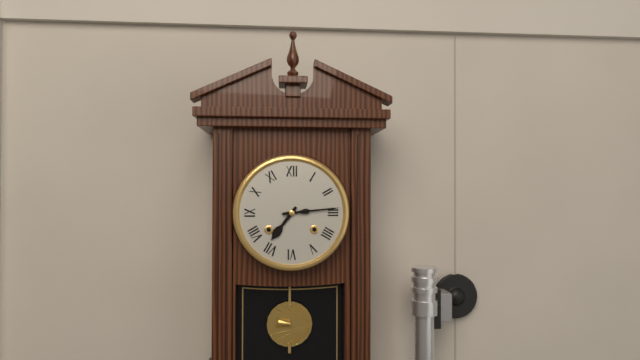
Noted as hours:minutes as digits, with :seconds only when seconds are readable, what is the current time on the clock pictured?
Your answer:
7:14
